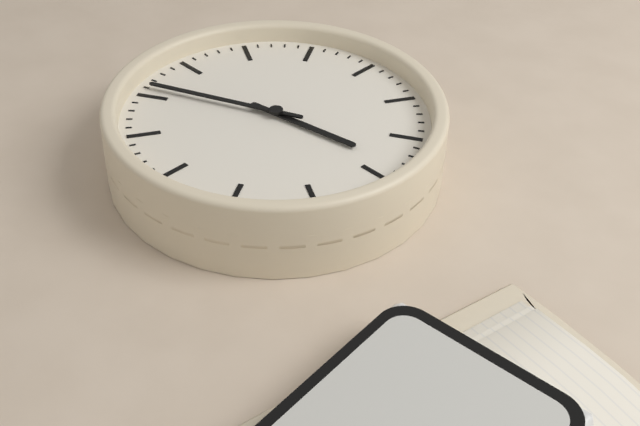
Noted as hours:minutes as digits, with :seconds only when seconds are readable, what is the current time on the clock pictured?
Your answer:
2:41
